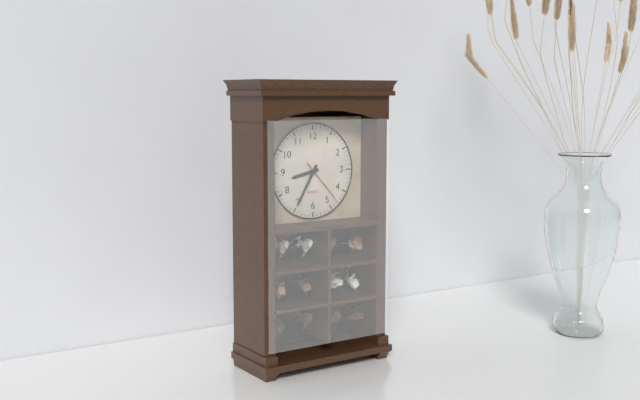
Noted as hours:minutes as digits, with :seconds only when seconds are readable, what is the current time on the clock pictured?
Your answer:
8:35
